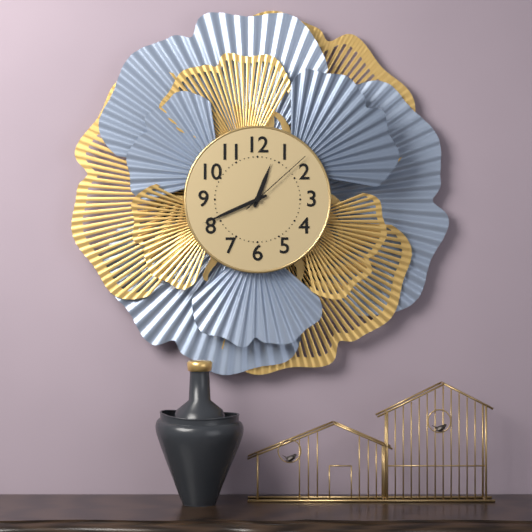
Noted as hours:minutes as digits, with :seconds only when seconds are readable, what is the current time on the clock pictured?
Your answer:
12:41:08
